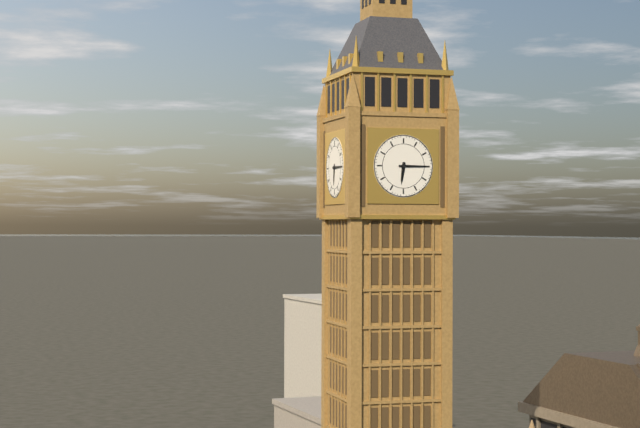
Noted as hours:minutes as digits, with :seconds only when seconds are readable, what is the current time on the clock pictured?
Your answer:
6:15
